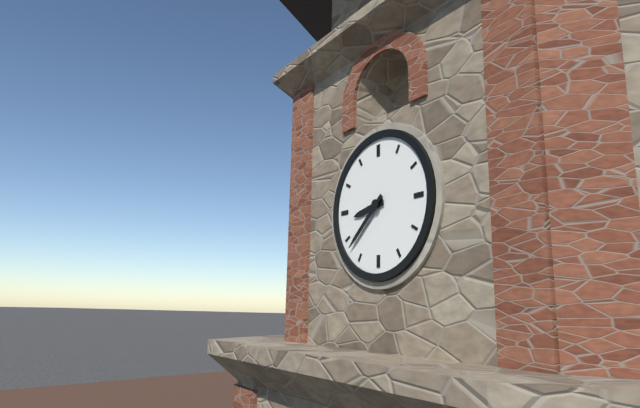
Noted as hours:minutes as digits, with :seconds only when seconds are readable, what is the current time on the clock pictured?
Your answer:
8:38
